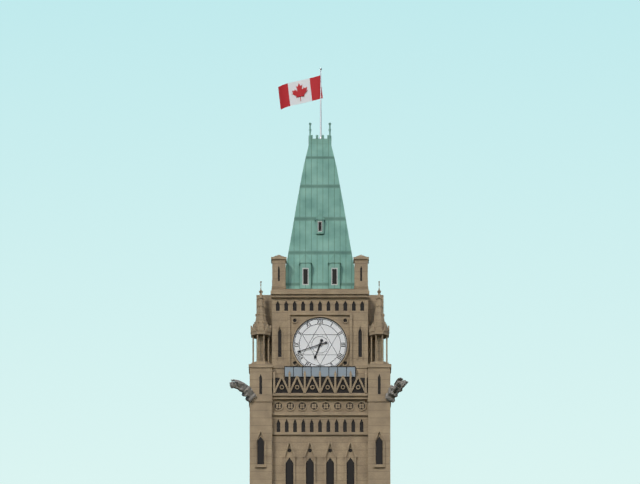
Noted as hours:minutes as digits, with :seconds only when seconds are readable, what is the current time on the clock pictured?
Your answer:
6:42
